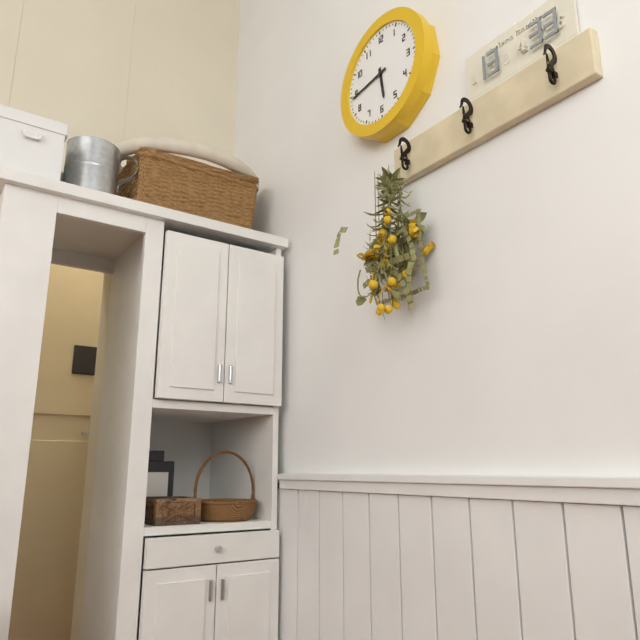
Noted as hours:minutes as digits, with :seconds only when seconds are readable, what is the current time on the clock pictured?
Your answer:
5:44
